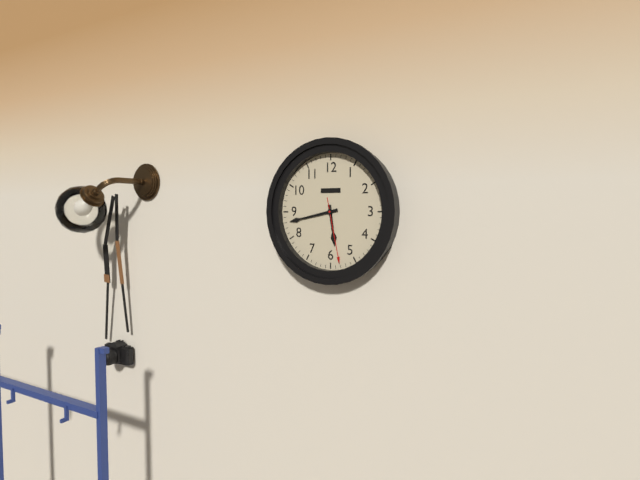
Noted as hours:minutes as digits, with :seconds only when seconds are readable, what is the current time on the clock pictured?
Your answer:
5:43:28
